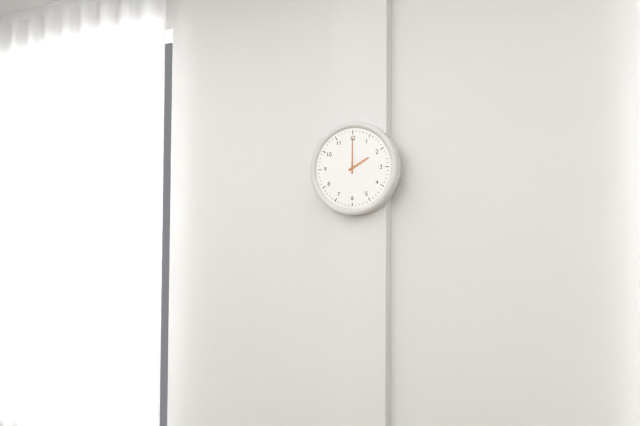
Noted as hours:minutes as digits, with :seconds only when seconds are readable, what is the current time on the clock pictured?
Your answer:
2:00
